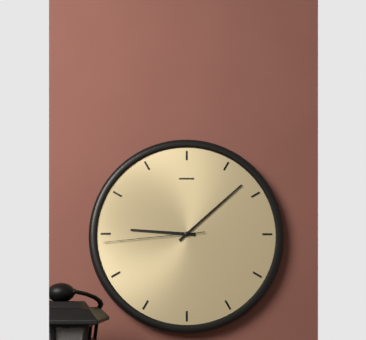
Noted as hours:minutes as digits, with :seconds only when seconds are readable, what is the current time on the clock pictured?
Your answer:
9:08:44
